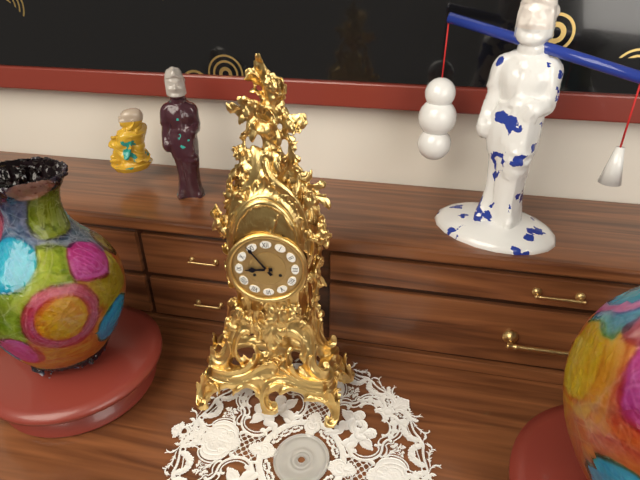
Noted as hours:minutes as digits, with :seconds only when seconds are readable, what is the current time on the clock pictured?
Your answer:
8:54
